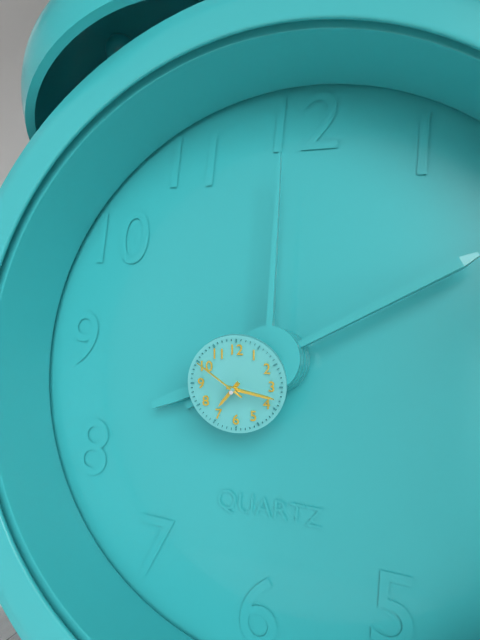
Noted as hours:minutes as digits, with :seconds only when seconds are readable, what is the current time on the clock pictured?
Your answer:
7:17:51
